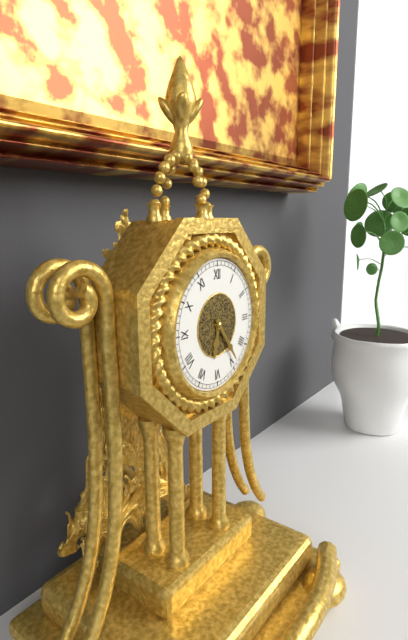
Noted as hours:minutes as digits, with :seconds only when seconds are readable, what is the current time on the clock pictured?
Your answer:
6:24
